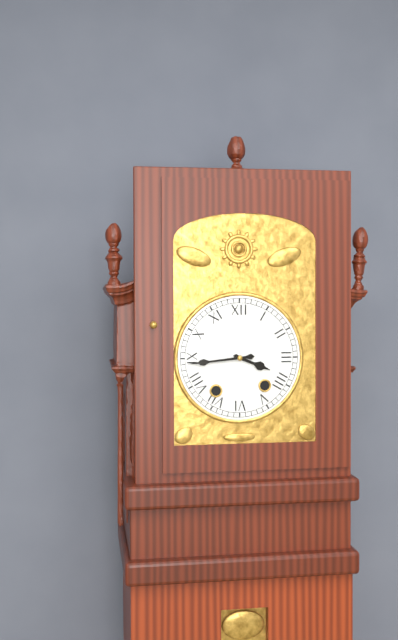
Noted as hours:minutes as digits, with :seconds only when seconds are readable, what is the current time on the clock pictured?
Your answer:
3:44
